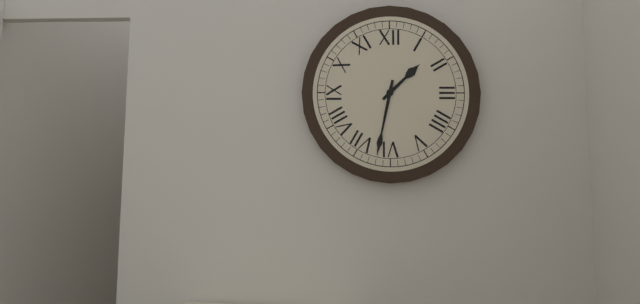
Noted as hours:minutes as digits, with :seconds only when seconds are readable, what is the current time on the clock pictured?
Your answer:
1:32
